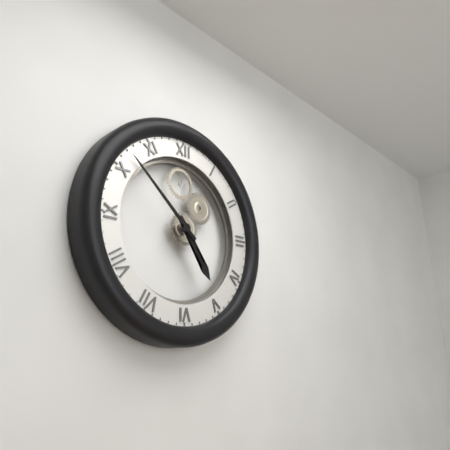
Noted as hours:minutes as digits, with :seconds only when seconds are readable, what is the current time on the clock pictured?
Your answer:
4:52
